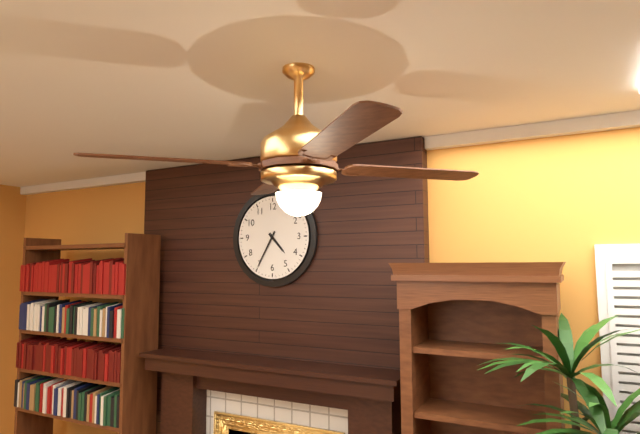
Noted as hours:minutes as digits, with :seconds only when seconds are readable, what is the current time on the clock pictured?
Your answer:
4:35
